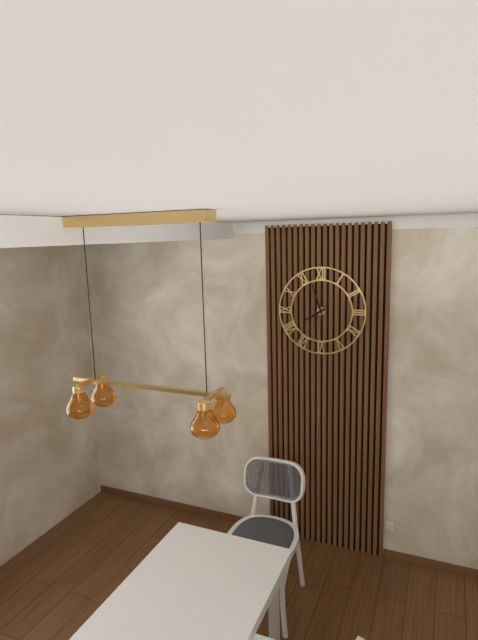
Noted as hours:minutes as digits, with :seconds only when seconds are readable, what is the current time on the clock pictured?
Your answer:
7:57
